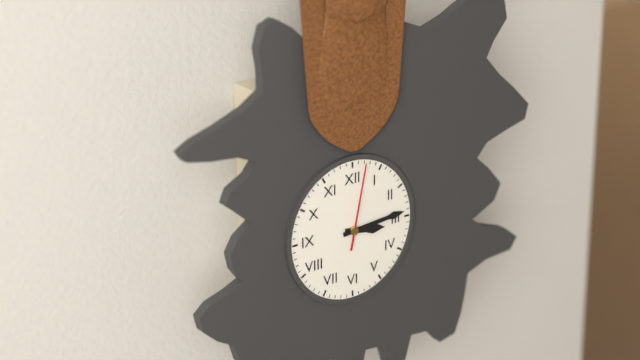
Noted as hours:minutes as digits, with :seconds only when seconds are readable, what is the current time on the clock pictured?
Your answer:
3:14:02
